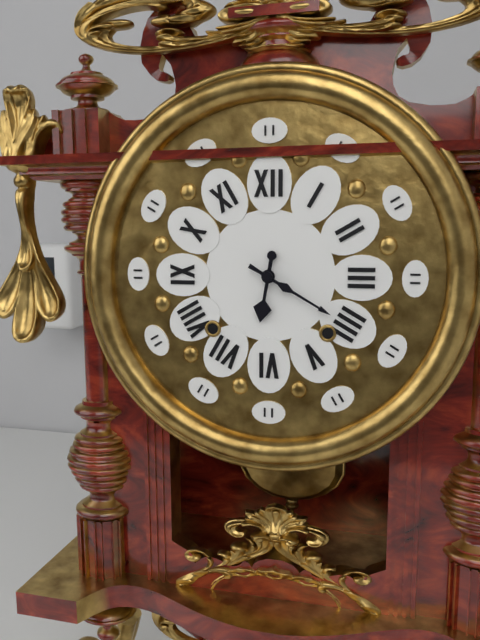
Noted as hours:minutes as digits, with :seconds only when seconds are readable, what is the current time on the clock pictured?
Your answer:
6:20
